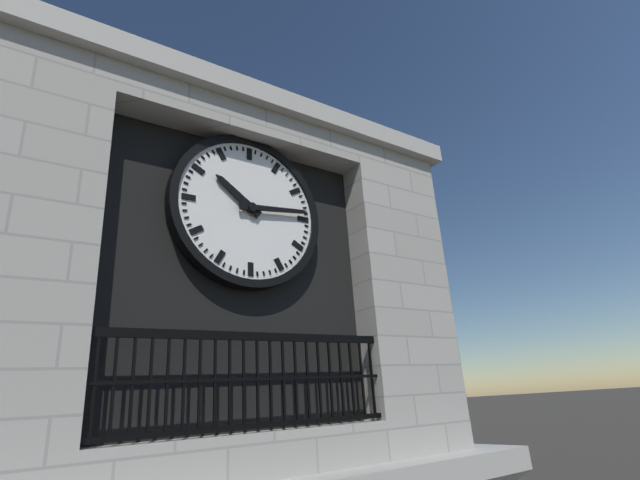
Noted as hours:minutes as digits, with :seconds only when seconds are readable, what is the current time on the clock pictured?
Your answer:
10:14
